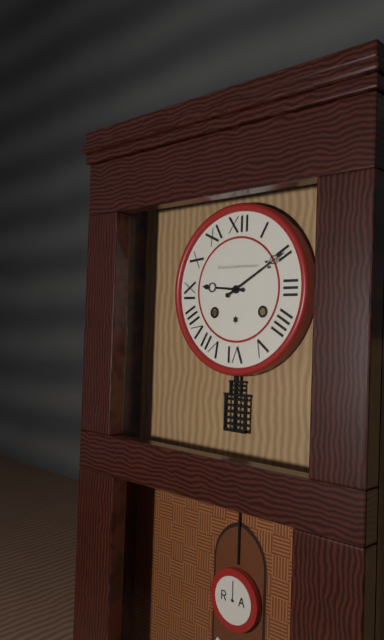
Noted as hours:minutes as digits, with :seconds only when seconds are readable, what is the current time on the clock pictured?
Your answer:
9:10
